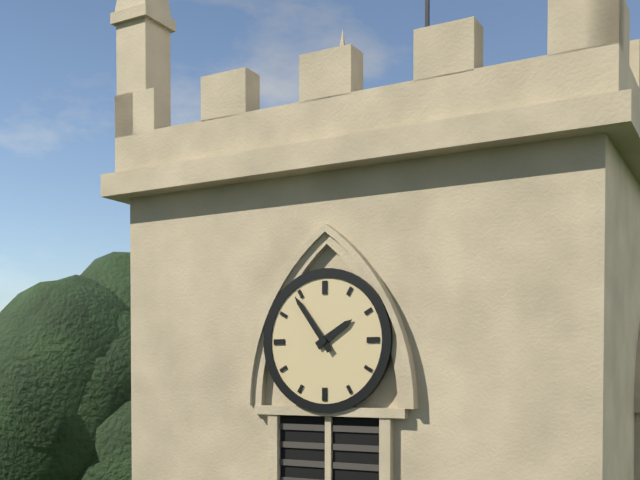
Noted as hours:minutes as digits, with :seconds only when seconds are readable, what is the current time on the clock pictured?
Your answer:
1:54
